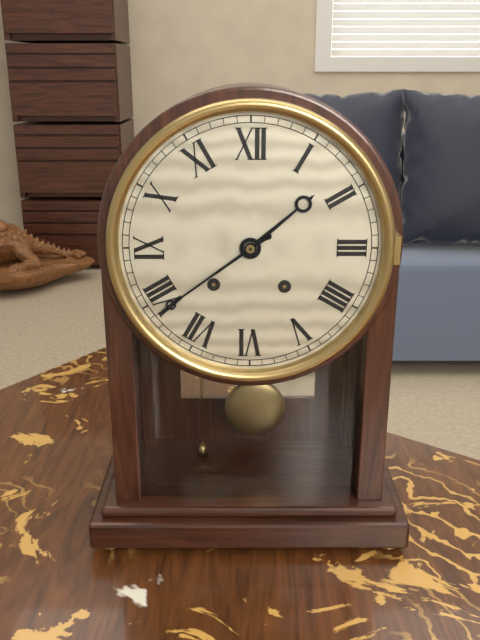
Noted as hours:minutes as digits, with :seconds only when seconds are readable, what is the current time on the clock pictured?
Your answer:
1:39
